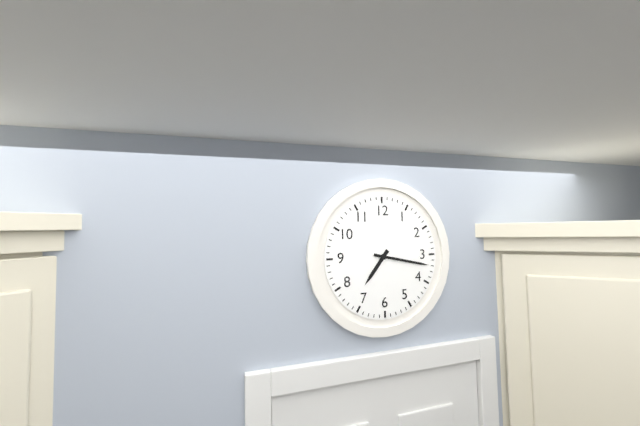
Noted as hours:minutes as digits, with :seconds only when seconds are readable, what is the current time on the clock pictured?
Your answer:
7:17
